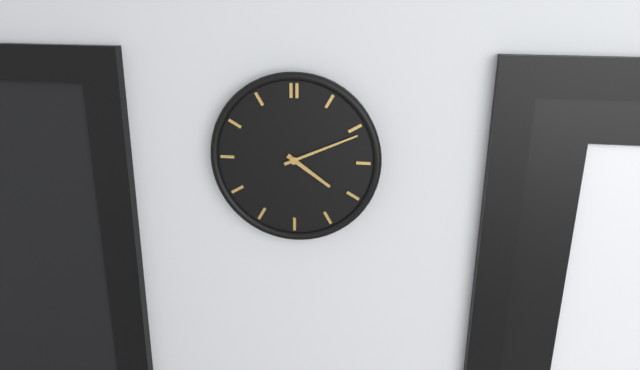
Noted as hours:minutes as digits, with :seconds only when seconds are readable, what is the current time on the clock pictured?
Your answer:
4:11
